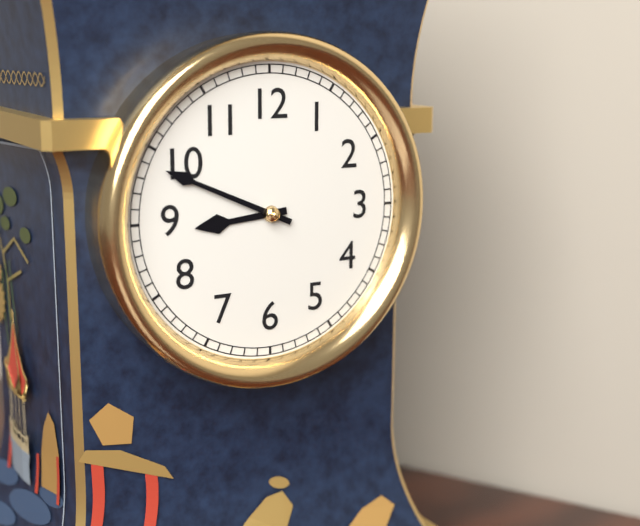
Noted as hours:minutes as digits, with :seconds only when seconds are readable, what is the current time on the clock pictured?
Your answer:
8:49
